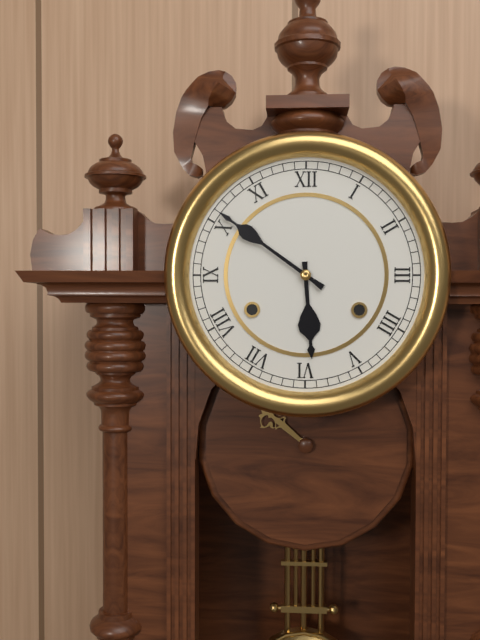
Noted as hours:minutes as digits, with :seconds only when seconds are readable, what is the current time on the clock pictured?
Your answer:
5:51
